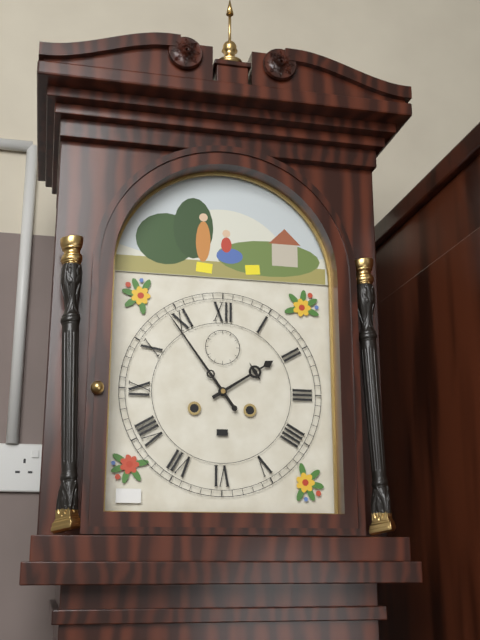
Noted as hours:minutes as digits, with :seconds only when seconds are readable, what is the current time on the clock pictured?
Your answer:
1:54
